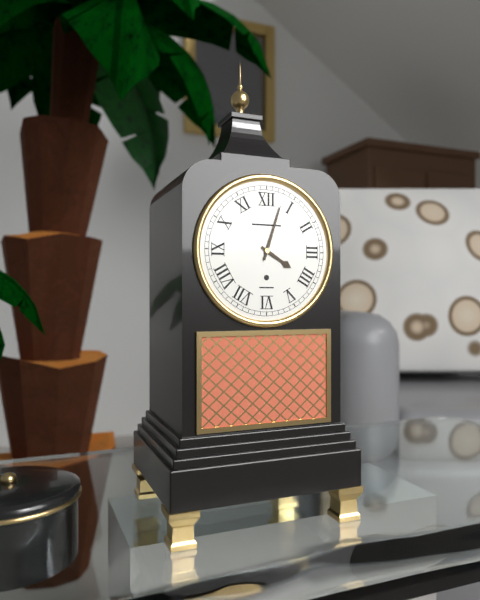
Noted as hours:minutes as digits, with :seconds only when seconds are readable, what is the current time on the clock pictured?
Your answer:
4:03
